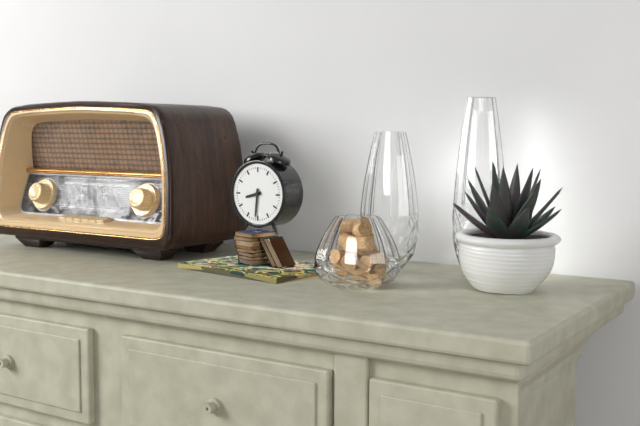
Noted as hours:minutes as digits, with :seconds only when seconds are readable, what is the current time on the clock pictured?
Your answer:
8:31
